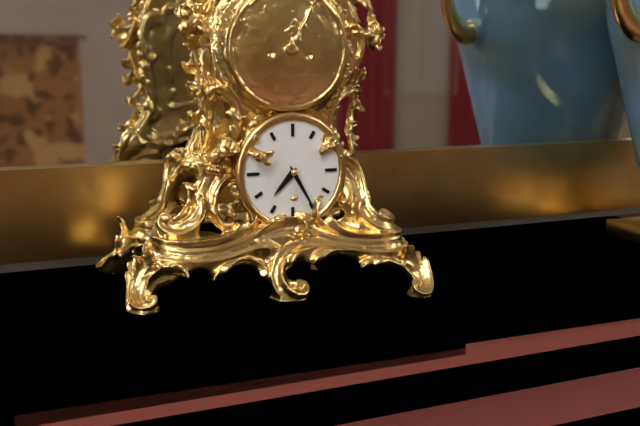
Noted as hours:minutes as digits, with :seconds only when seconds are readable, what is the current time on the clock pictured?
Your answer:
7:25
